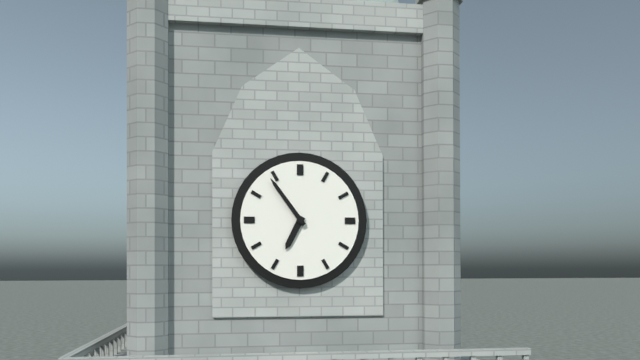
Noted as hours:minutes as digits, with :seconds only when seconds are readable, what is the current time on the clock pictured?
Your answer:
6:54
